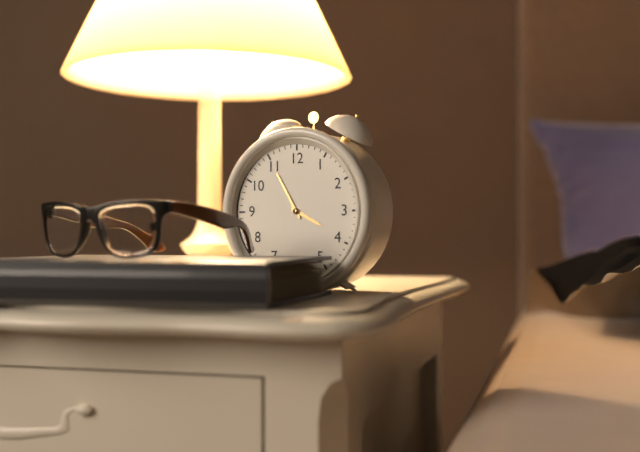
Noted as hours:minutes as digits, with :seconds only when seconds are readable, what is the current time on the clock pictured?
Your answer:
3:55
